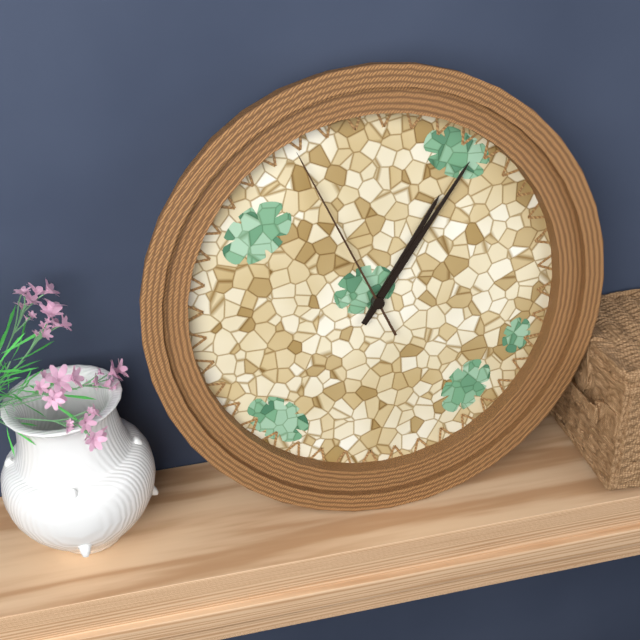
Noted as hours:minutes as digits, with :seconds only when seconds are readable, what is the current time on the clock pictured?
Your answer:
1:06:56
